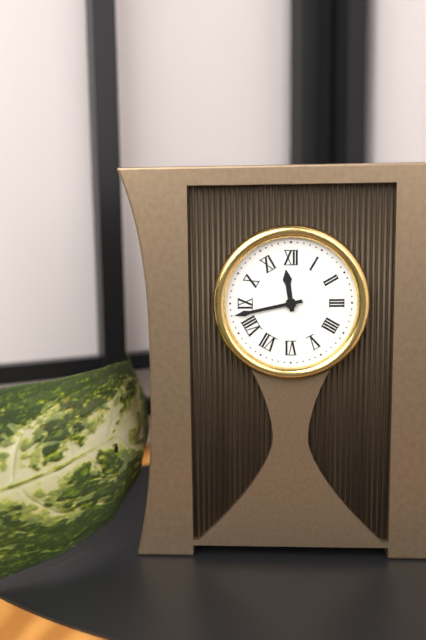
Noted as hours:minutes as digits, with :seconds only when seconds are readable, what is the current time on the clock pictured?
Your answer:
11:43
